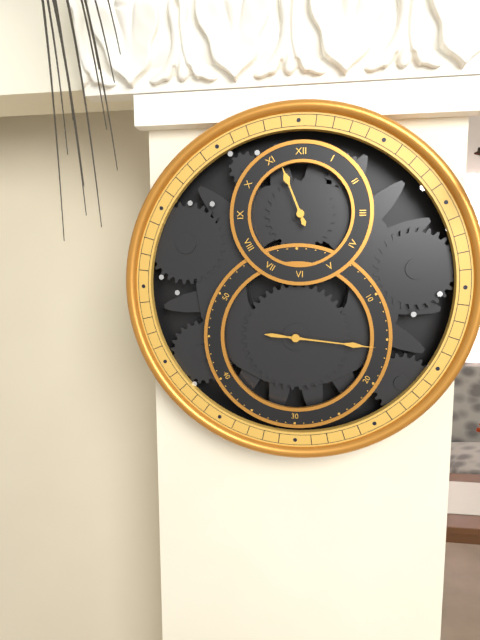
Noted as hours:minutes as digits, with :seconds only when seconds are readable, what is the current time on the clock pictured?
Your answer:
11:16
